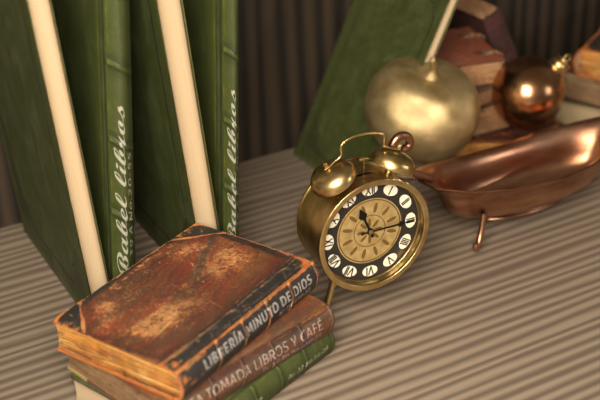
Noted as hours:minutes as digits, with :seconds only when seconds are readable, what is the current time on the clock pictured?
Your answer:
11:15
